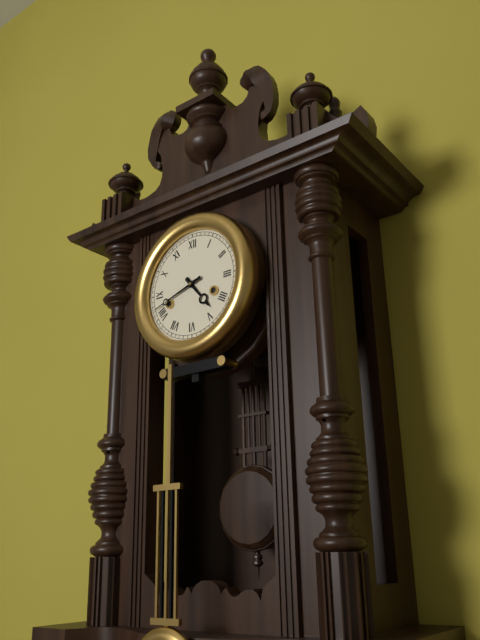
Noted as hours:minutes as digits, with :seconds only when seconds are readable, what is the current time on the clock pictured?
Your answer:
4:42
